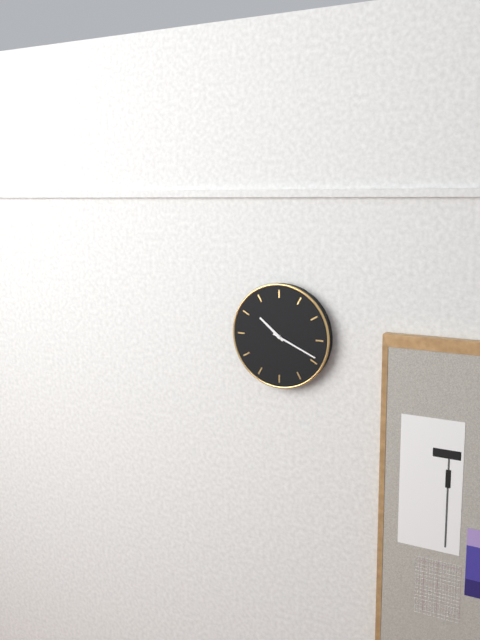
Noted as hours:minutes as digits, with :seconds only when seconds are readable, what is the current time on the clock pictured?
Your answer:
10:19
